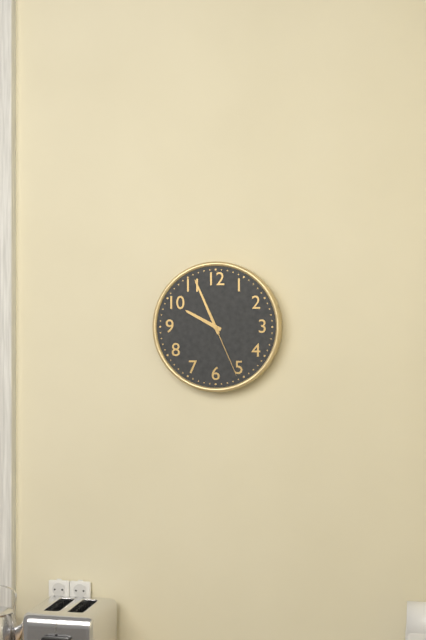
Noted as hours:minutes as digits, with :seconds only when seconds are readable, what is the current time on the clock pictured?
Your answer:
9:56:26
